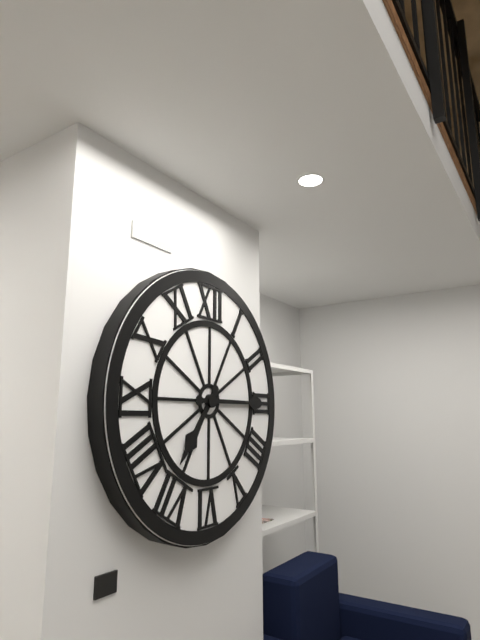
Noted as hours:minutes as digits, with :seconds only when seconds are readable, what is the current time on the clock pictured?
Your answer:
7:15
